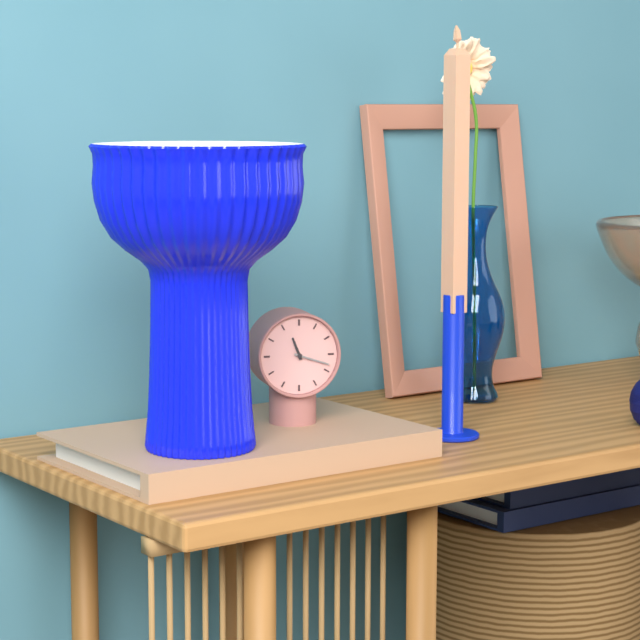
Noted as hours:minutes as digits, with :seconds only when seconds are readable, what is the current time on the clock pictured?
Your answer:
11:18
